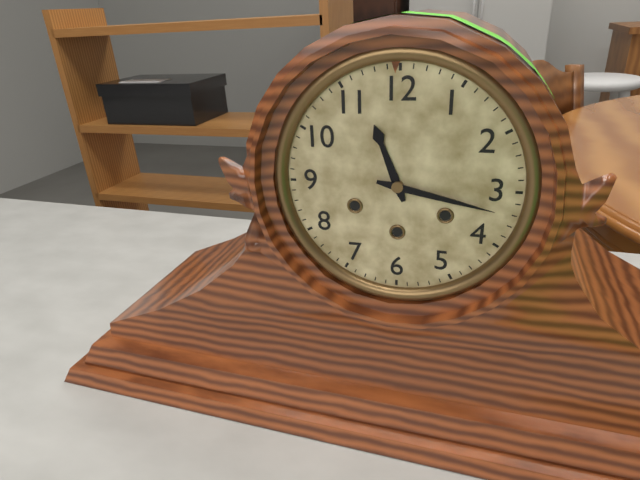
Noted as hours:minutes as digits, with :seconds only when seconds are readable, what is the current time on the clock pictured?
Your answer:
11:17
